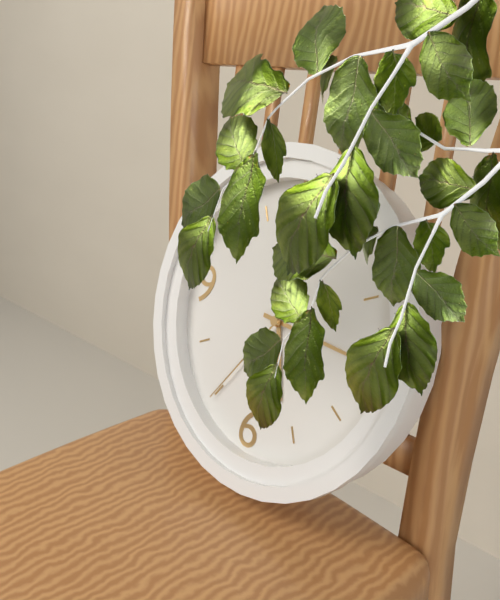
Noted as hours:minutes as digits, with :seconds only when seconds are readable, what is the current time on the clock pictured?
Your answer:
5:15:35
